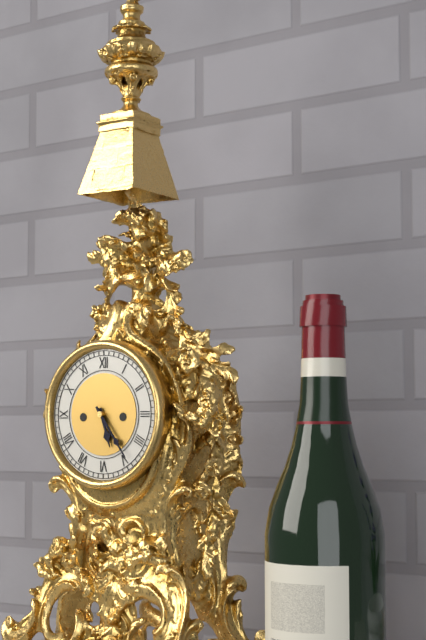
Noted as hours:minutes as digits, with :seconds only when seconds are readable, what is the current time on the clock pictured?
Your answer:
5:24
